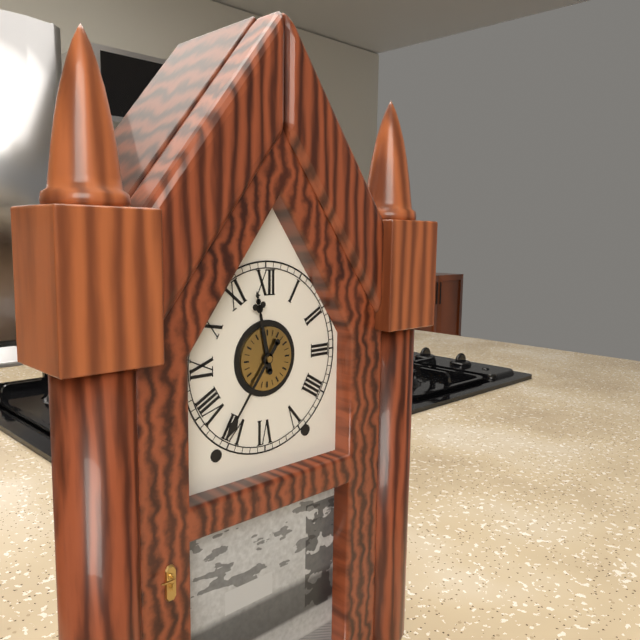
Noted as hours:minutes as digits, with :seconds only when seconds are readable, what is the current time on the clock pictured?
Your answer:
11:36
